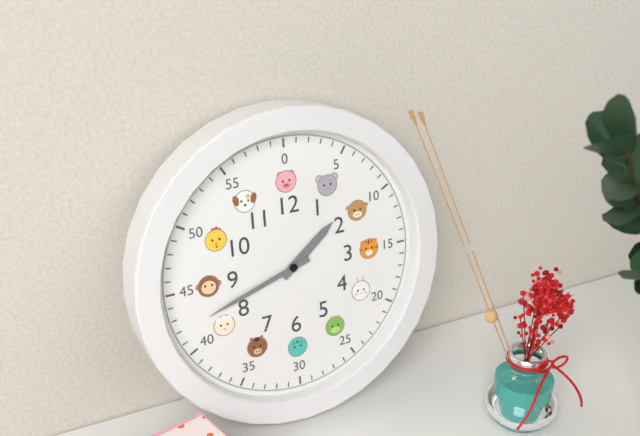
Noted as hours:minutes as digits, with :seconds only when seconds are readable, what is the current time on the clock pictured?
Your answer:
1:42
